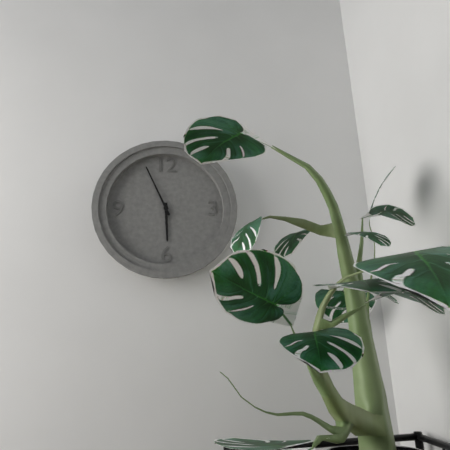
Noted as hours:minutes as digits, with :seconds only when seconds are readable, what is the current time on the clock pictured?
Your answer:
5:56
